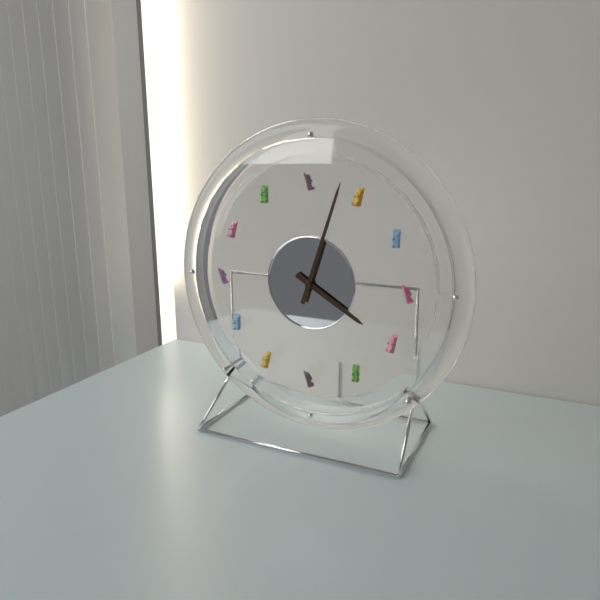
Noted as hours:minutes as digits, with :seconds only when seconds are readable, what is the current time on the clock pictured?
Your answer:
4:03
